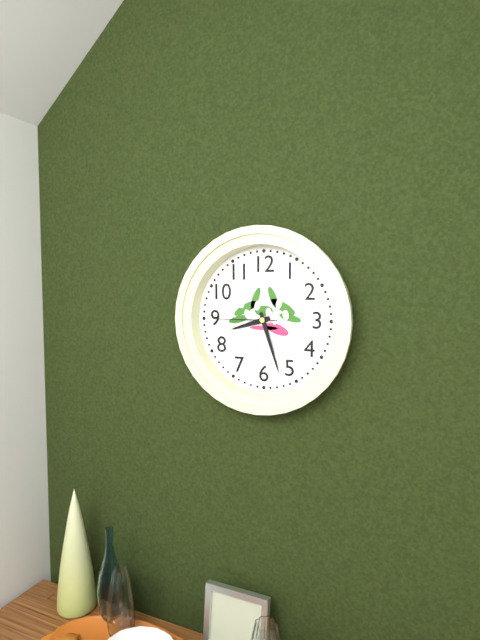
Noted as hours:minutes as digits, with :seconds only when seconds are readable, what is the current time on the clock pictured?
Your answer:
8:27:45
